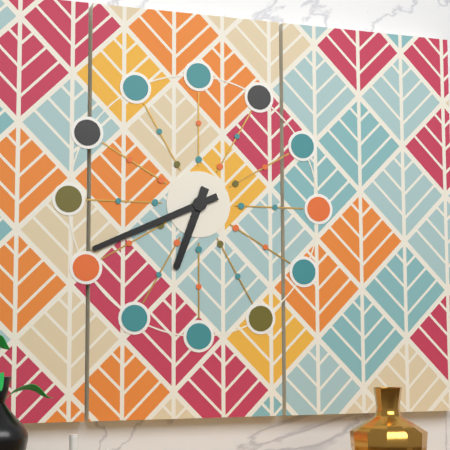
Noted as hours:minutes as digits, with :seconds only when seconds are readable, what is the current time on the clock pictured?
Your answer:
6:41
